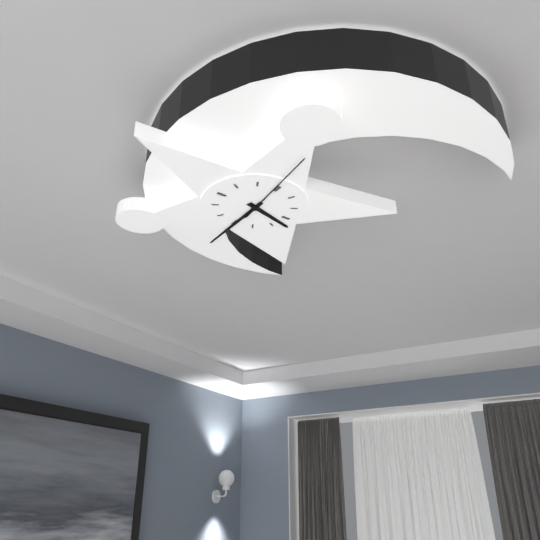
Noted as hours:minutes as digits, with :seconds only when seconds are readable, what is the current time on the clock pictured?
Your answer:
3:30:59
